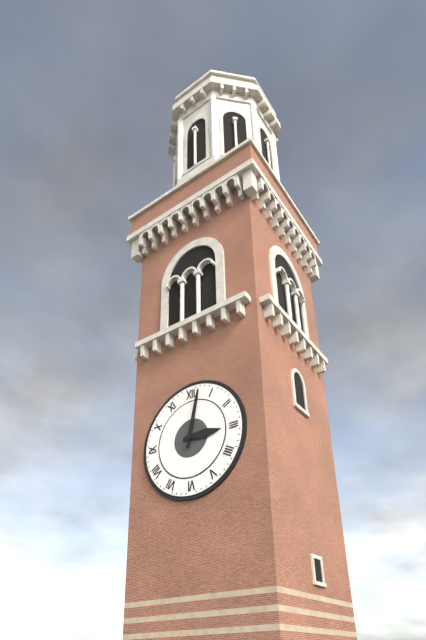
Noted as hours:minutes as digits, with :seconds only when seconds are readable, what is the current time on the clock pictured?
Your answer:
3:02
